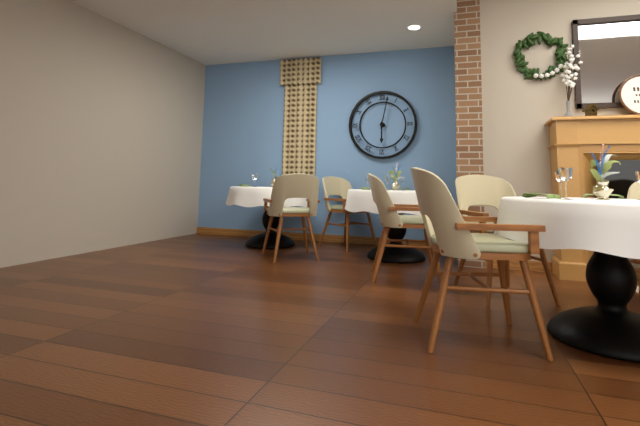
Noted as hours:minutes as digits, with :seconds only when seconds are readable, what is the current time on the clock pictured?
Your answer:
6:02
